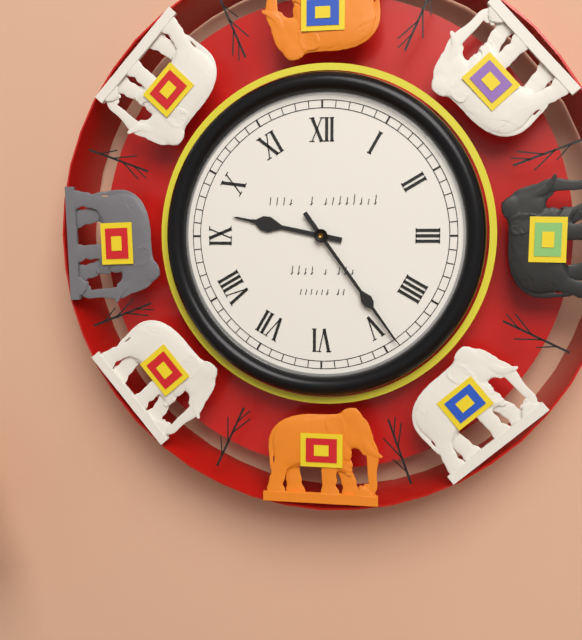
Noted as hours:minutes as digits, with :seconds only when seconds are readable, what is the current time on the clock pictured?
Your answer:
9:24
